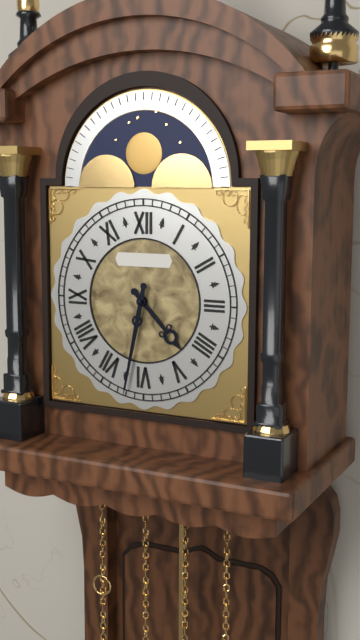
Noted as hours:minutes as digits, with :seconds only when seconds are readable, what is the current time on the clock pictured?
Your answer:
4:32
